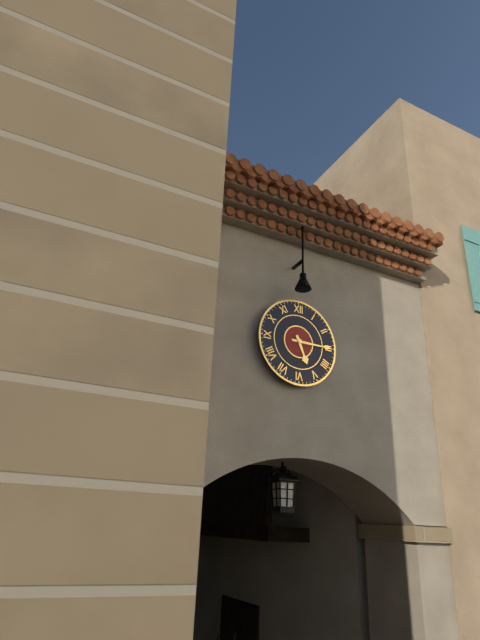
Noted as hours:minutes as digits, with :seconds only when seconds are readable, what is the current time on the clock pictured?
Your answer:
5:15
